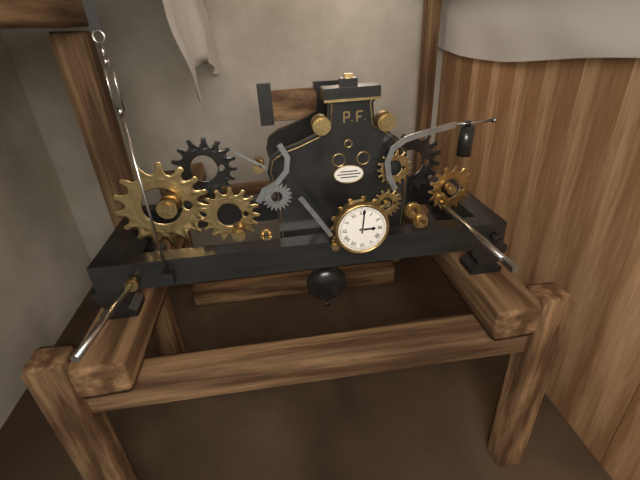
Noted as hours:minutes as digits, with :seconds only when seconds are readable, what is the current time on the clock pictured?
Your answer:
3:01
